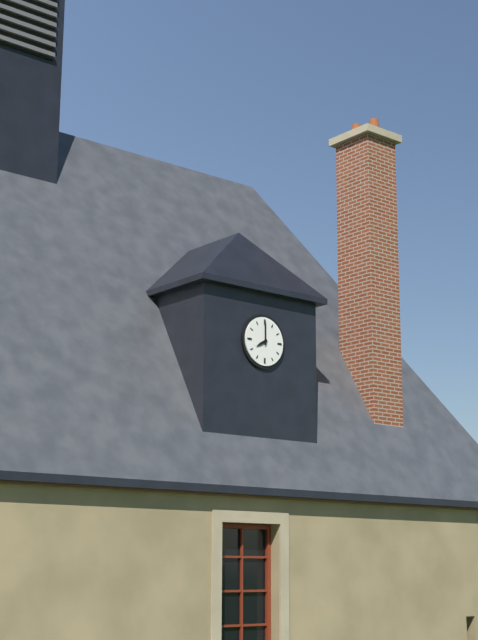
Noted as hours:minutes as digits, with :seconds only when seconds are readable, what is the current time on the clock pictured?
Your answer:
8:00
